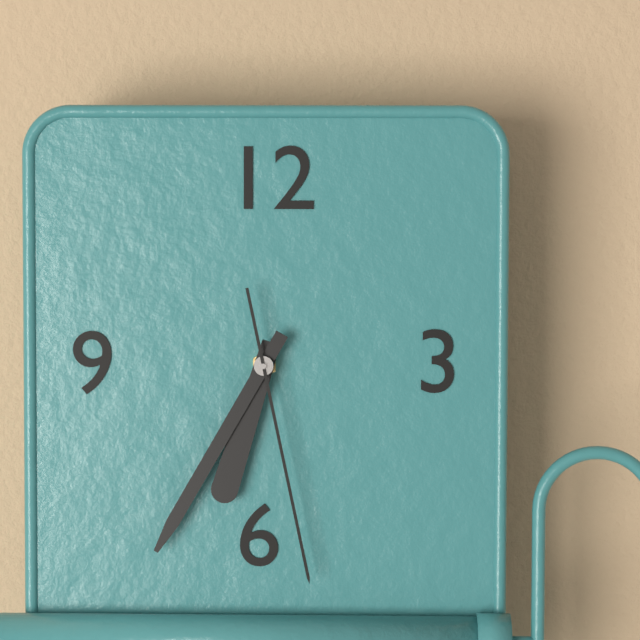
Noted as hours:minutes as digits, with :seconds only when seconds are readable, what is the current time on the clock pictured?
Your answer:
6:35:28
